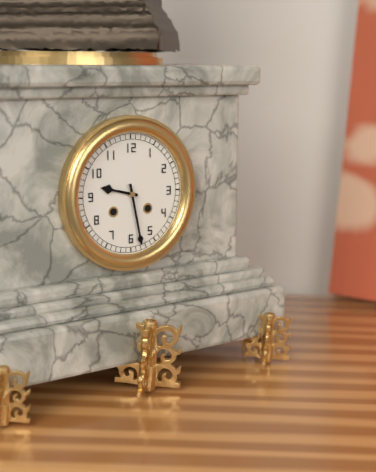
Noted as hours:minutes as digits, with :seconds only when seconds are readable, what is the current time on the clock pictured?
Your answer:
9:28
